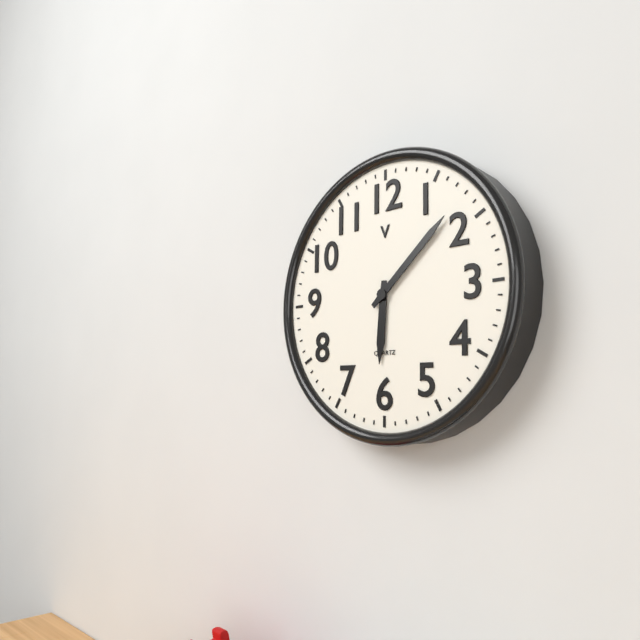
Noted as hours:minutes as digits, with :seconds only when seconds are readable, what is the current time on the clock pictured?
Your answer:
6:08
